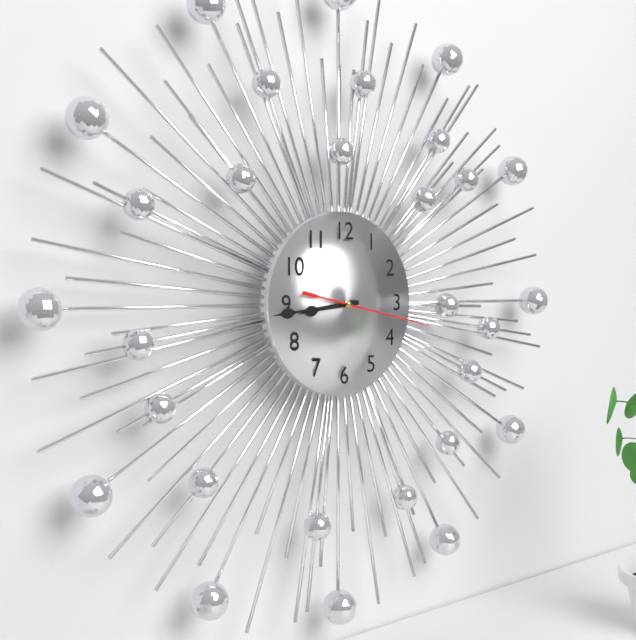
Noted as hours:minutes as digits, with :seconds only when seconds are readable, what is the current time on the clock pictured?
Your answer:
8:44:17
